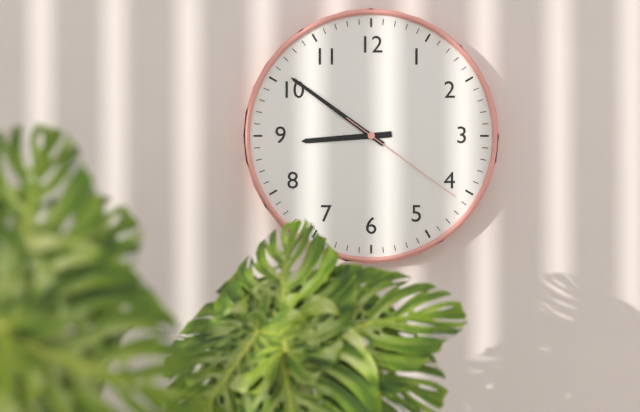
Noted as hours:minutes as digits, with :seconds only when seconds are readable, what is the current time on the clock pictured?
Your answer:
8:51:21
